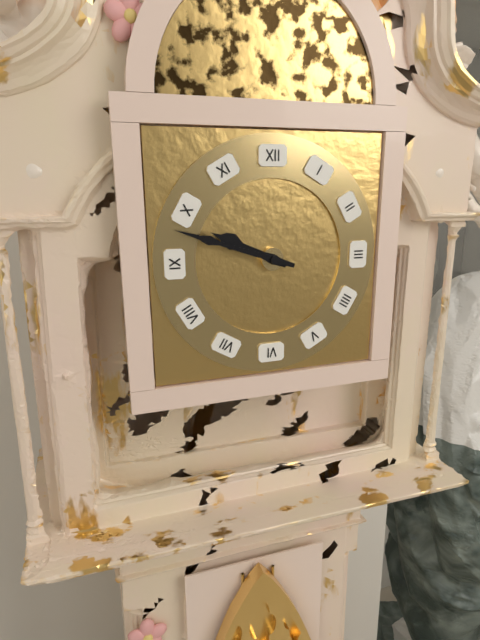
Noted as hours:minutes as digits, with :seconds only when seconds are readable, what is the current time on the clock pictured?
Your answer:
9:48
